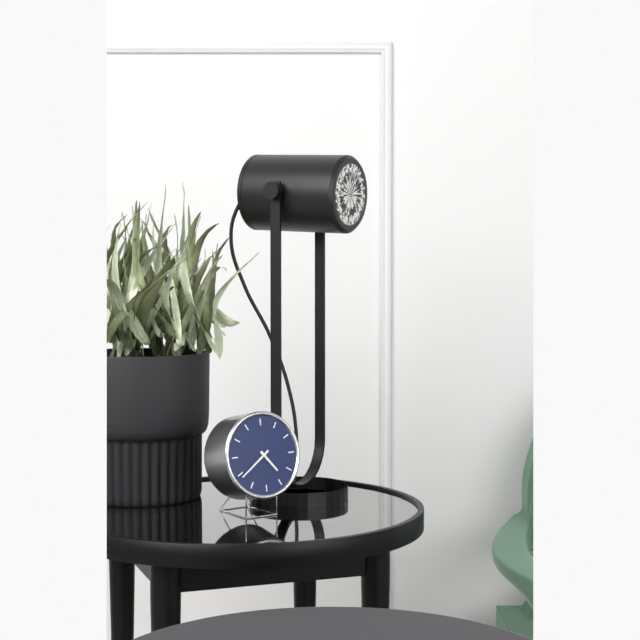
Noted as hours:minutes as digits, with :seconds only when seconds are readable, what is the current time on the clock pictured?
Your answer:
4:39
